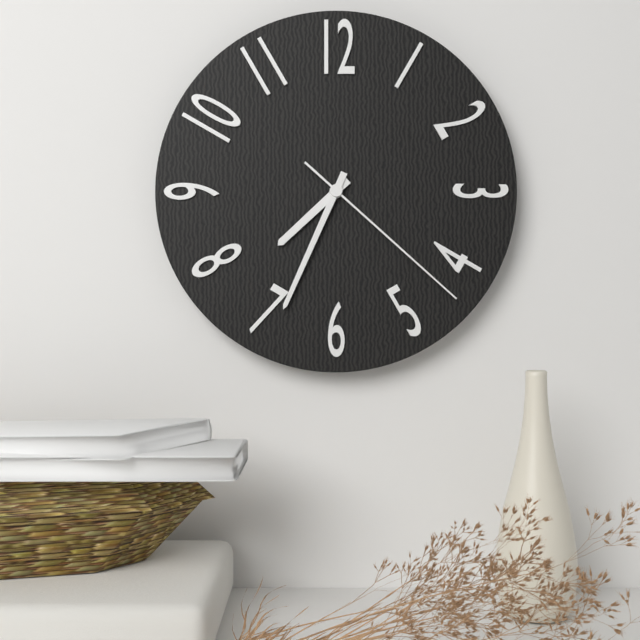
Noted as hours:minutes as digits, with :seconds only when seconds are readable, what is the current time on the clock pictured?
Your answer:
7:34:22
